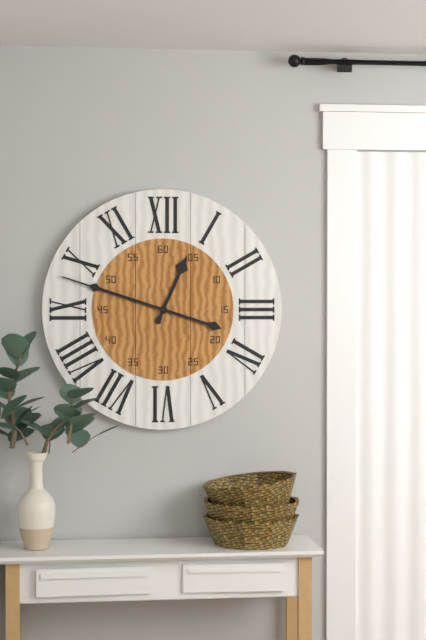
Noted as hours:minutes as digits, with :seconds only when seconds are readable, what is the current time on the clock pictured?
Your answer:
12:48
